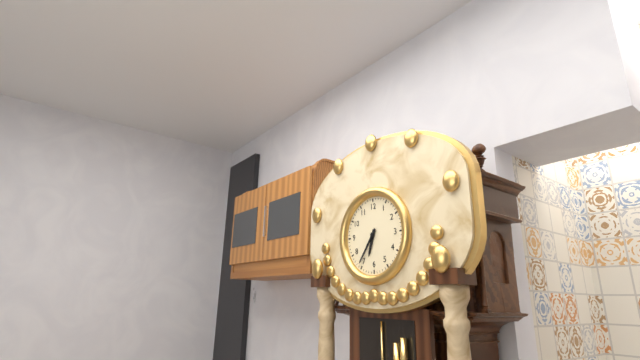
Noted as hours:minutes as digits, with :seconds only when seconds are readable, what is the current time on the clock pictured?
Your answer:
6:36
